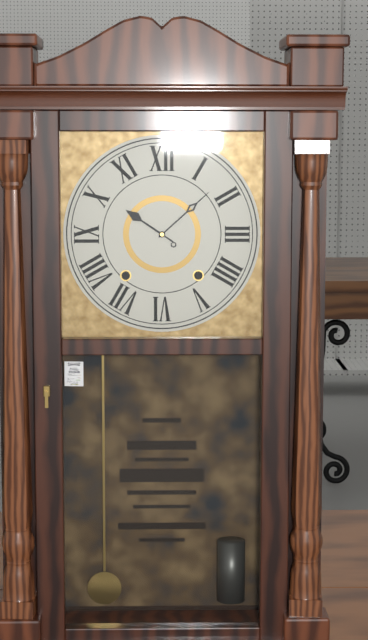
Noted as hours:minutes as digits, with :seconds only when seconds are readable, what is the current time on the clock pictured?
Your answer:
10:08
